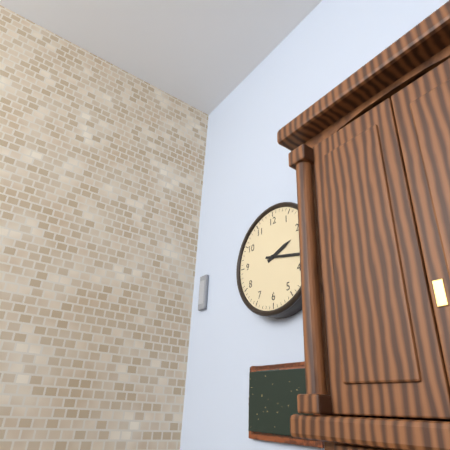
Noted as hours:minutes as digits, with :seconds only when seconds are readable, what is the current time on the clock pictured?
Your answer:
2:17
